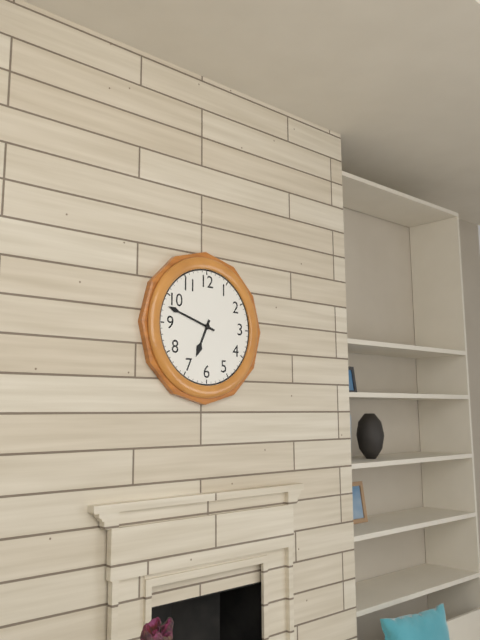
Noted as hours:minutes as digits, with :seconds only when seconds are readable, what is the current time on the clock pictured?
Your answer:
6:48
